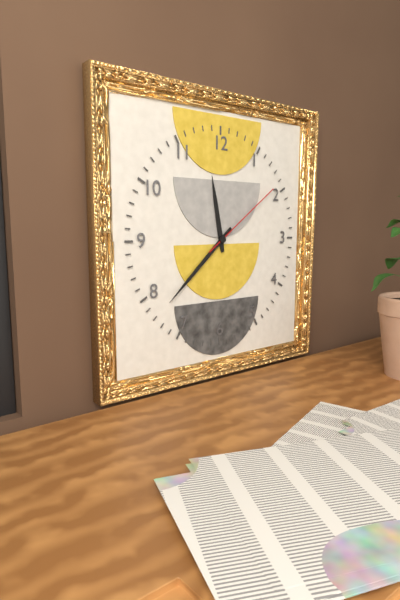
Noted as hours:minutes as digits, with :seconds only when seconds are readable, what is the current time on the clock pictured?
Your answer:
11:38:09
